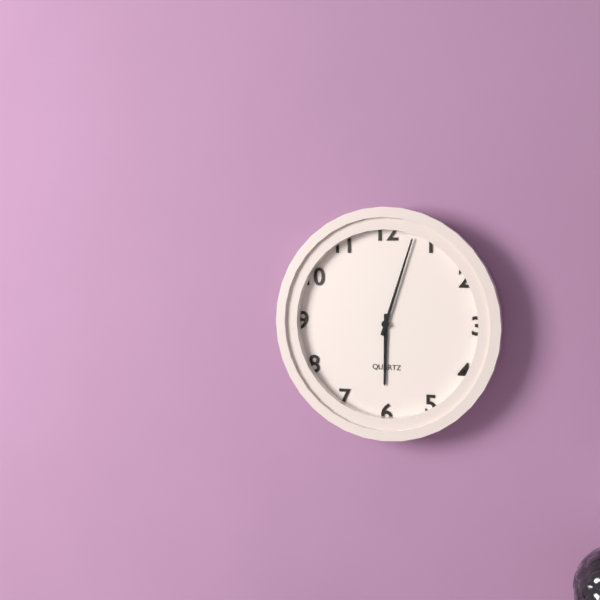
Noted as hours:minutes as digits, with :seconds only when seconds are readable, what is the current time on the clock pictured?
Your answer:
6:03
